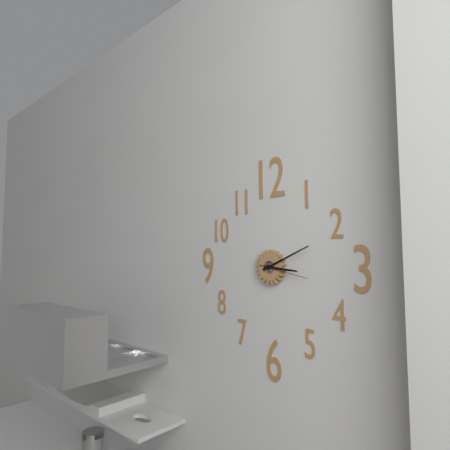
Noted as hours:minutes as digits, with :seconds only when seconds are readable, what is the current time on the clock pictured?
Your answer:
3:11:17
